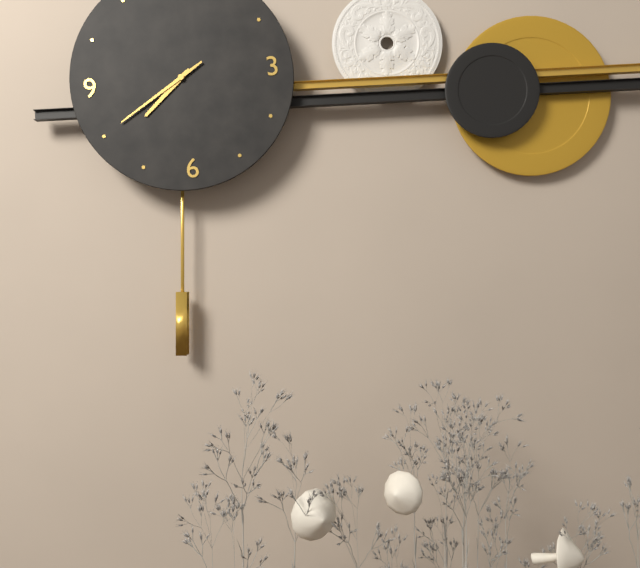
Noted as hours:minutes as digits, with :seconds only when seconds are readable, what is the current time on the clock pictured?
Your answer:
7:40
